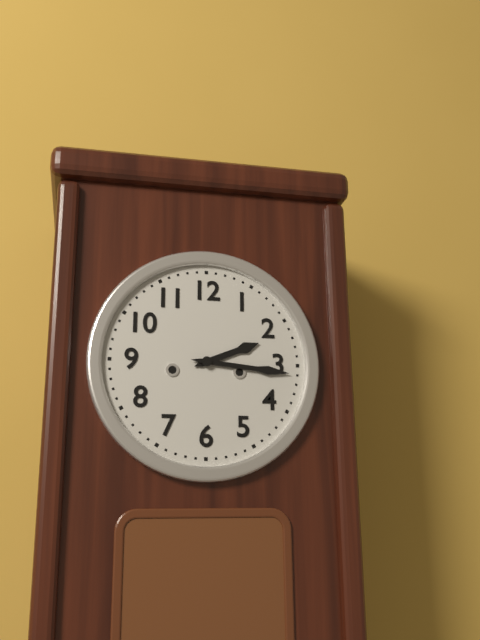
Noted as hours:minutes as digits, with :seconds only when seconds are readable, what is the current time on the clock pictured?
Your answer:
2:16
